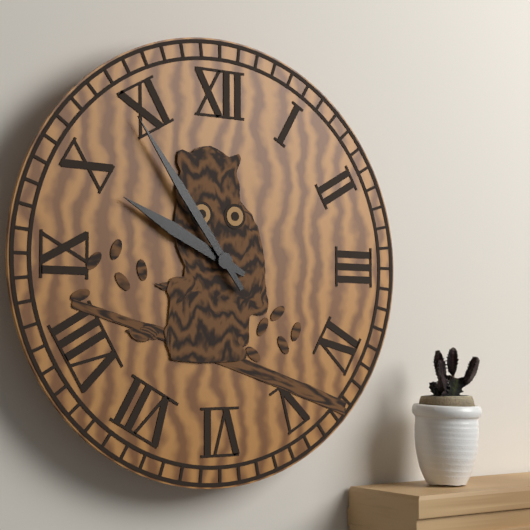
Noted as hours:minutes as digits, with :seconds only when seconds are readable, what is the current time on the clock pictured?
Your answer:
9:54
